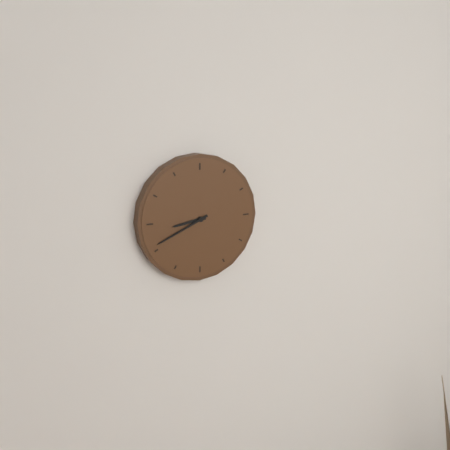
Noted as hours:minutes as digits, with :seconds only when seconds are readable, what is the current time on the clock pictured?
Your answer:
8:41
